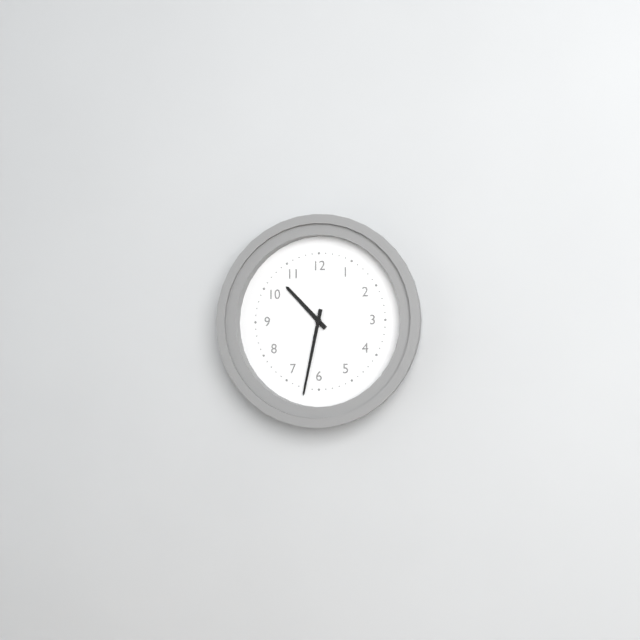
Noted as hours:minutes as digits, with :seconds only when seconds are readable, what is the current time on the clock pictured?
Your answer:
10:32
